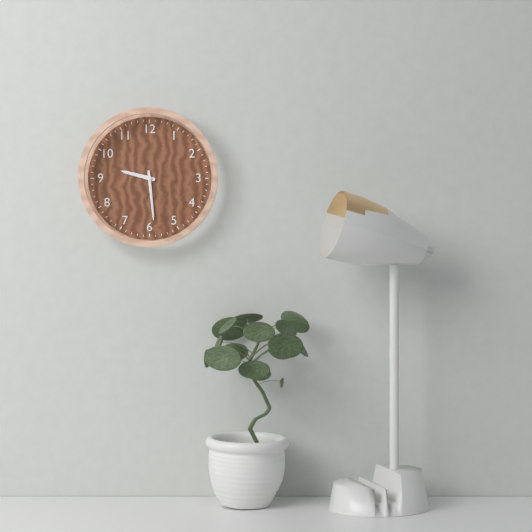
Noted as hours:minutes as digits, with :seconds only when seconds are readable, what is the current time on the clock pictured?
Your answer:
9:29
